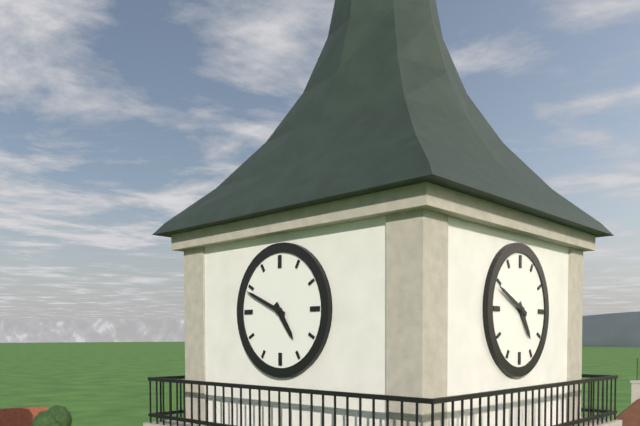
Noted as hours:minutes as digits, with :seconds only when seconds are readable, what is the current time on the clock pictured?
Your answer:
4:49
